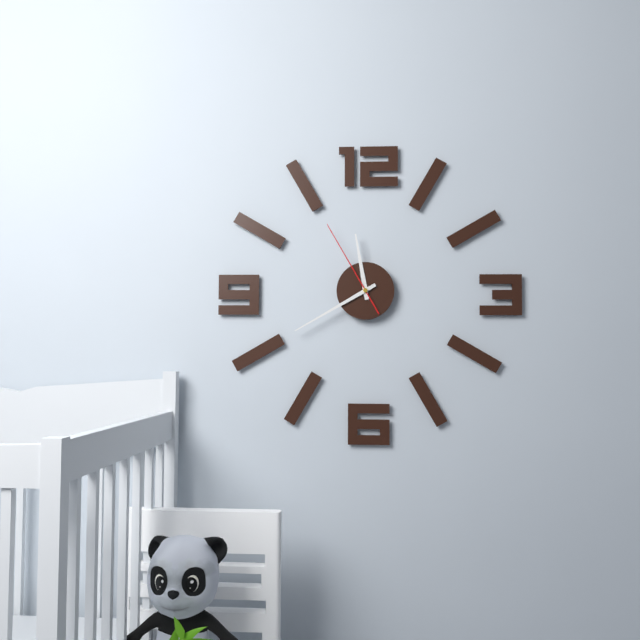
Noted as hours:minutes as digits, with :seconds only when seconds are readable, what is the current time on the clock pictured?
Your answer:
11:40:55
